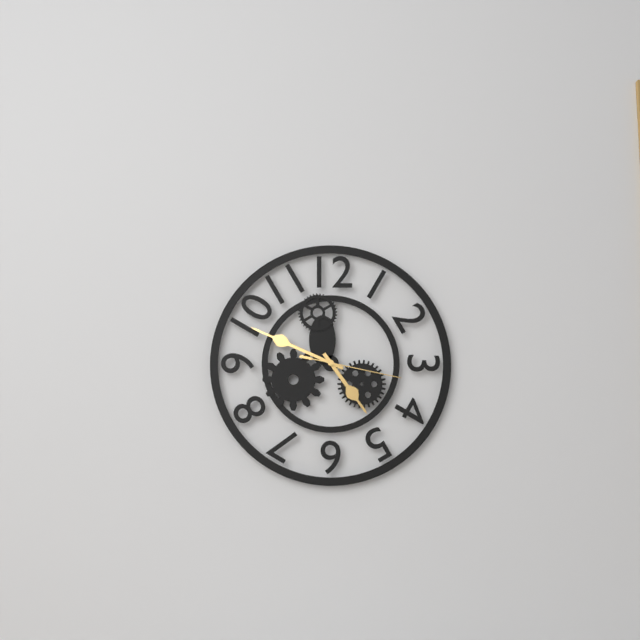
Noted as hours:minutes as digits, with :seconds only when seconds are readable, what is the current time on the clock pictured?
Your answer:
4:49:17
